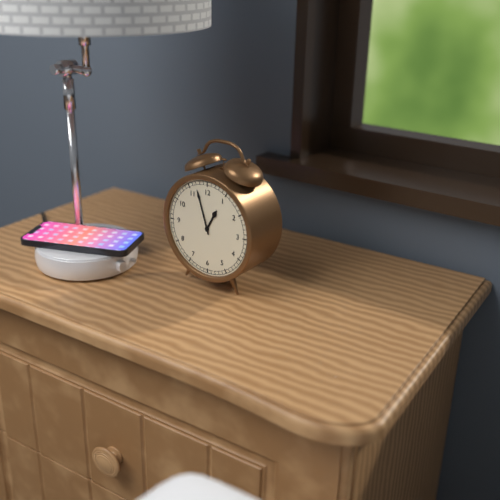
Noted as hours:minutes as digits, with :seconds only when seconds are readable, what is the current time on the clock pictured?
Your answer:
12:57
